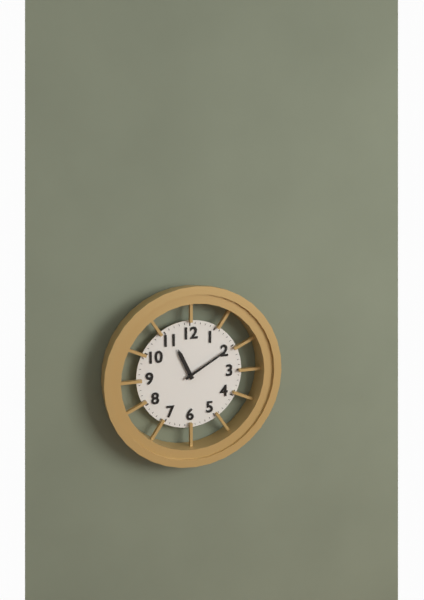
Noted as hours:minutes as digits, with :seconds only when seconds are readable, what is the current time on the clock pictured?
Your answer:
11:10
